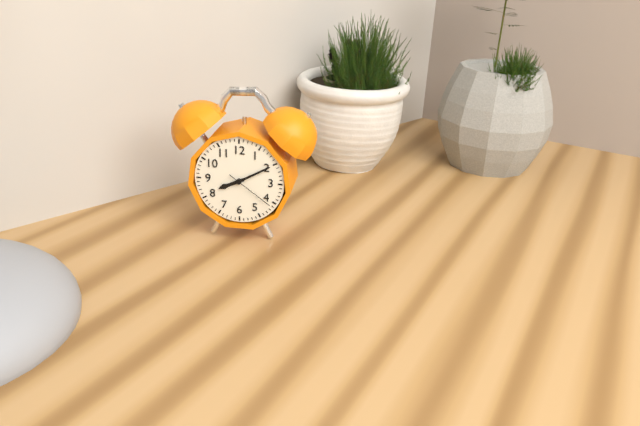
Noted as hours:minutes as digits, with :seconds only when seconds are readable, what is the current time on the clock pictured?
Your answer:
8:10
